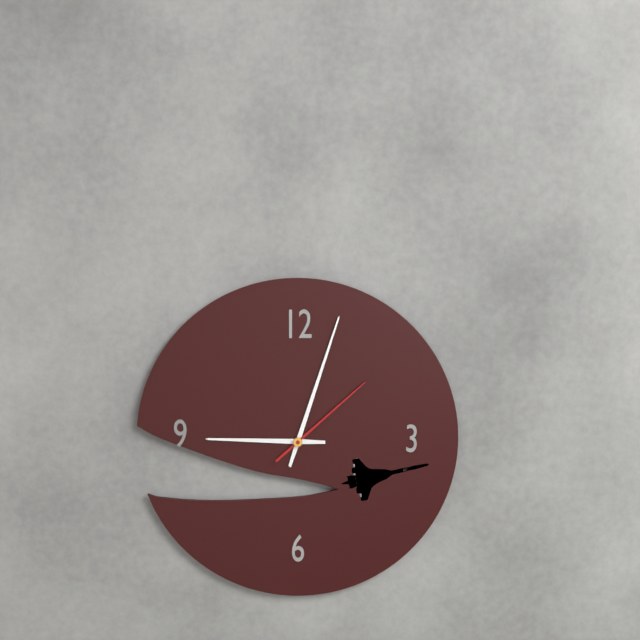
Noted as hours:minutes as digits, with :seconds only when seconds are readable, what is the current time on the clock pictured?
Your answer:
9:03:08
